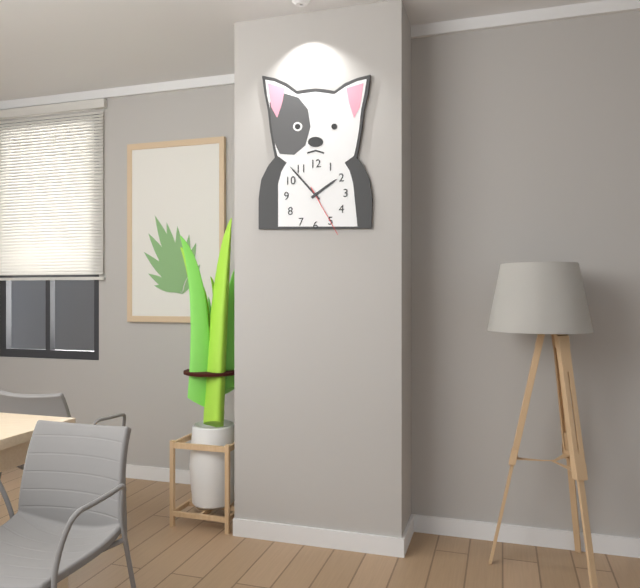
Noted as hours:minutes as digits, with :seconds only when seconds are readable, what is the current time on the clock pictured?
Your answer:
1:53:25
